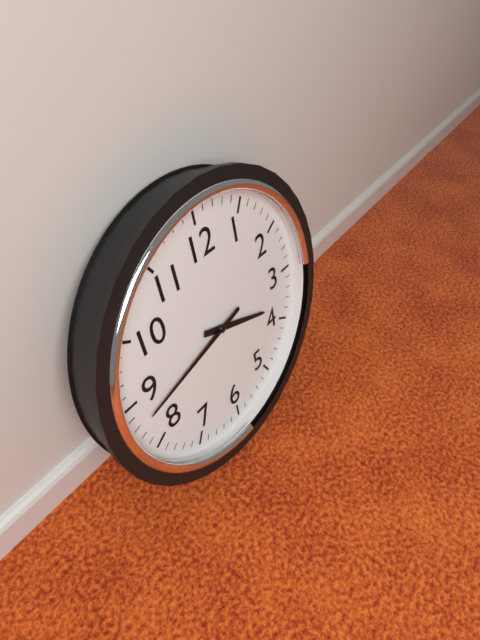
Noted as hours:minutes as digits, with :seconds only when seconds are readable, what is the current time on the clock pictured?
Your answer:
3:43
